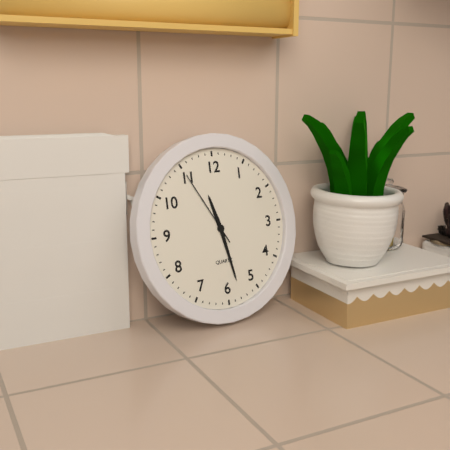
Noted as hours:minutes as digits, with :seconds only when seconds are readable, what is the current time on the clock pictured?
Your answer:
11:28:55
